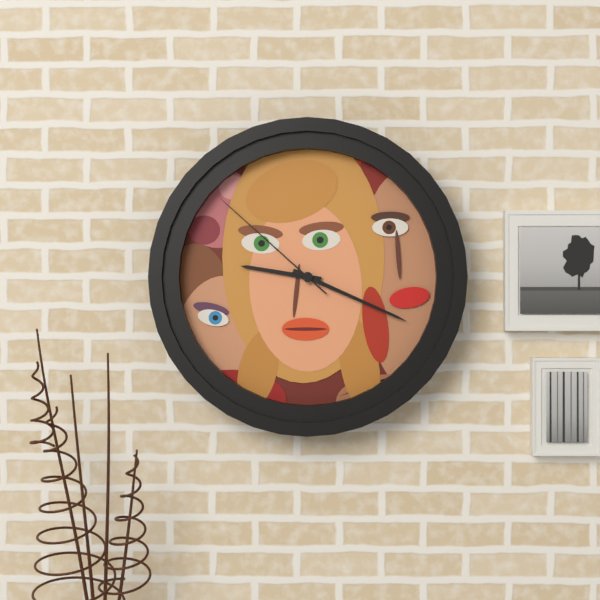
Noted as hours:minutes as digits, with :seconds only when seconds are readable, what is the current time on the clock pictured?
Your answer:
9:19:52
